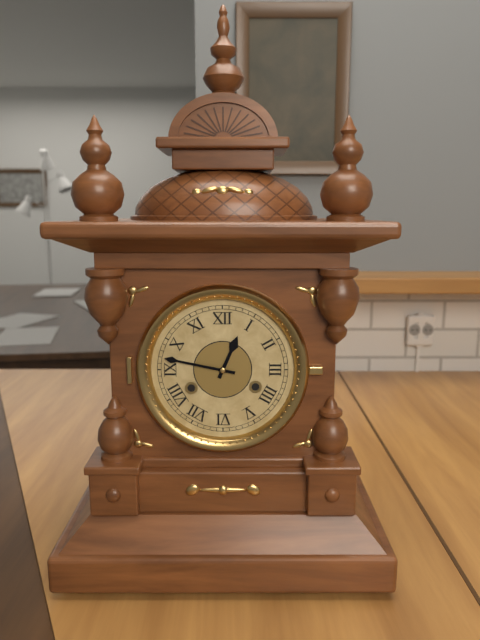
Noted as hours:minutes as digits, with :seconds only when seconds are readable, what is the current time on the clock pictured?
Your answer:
12:47
